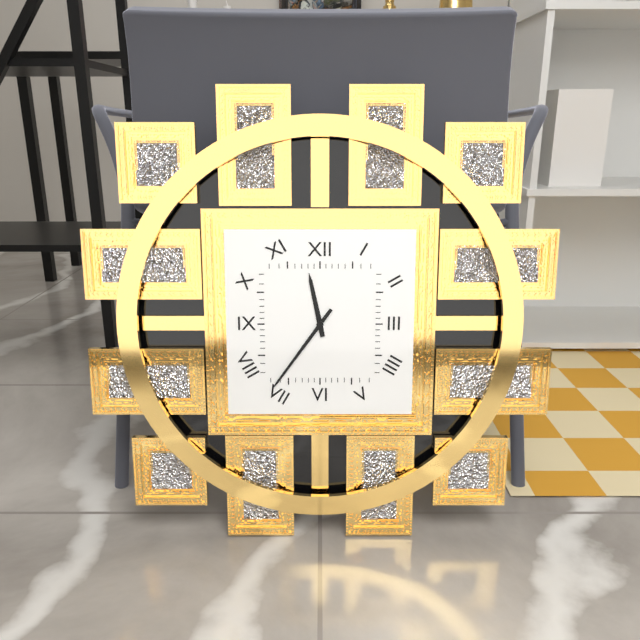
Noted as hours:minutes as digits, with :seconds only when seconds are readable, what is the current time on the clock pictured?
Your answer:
11:36
